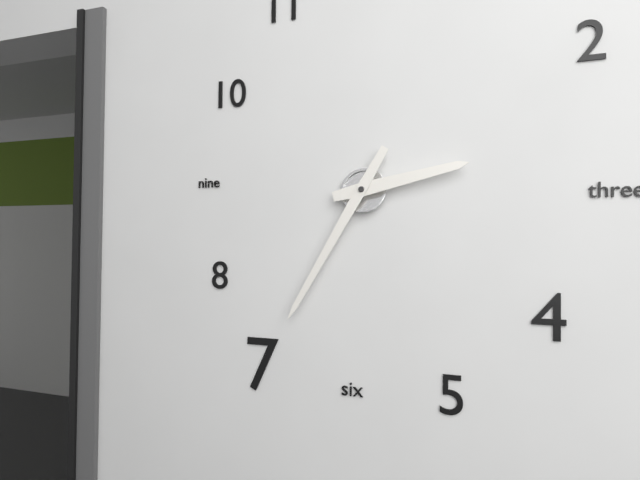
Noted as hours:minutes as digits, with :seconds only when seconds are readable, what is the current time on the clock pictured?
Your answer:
2:35
